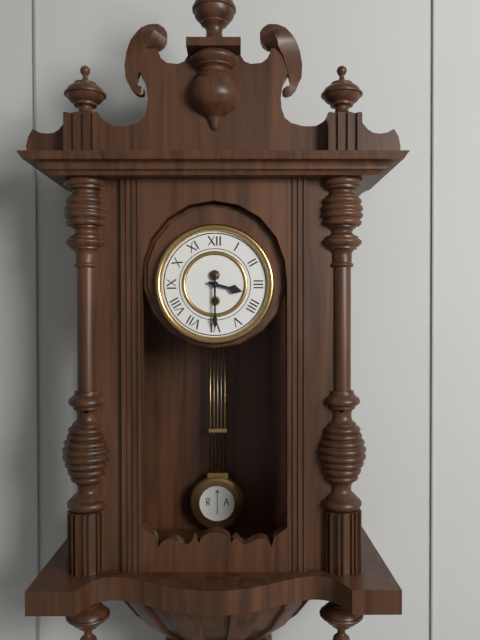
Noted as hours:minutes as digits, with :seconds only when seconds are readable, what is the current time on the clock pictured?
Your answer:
3:30
